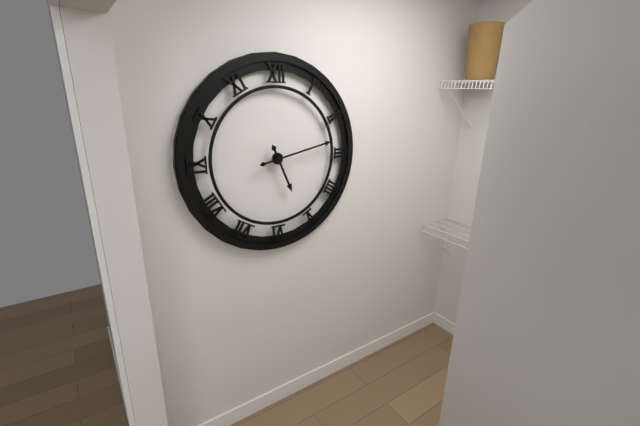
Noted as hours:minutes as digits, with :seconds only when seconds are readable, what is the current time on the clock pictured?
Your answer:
5:13
